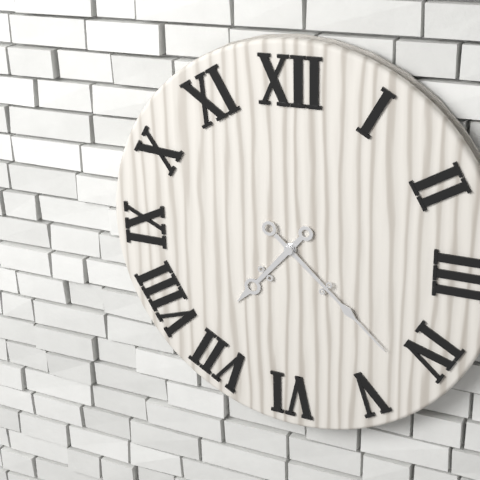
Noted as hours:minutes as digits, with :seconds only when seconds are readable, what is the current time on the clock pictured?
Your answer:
7:22
